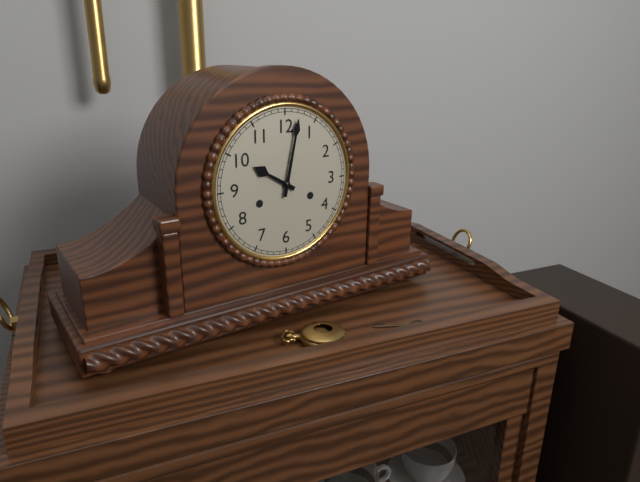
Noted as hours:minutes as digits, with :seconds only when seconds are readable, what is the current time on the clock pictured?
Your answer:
10:02
